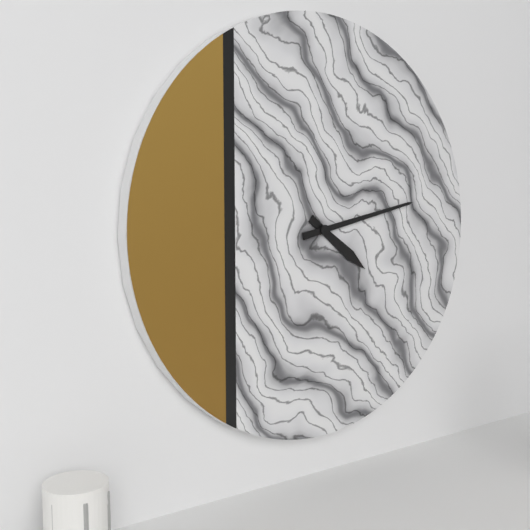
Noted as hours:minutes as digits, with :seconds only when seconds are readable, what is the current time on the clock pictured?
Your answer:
4:13
